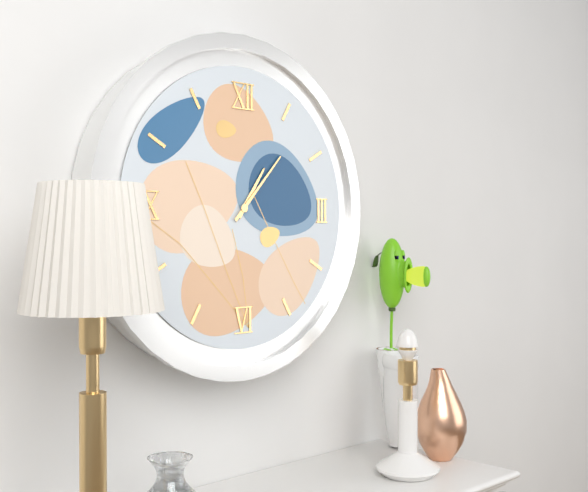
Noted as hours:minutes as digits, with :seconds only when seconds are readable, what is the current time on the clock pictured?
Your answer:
1:07
